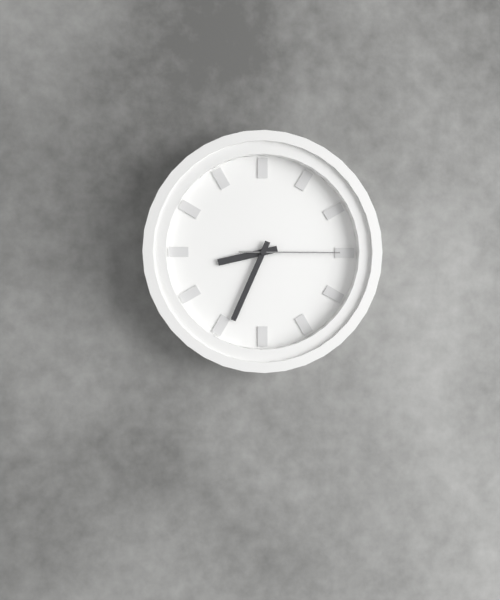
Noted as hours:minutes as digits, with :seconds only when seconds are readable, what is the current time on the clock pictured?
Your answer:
8:34:15
